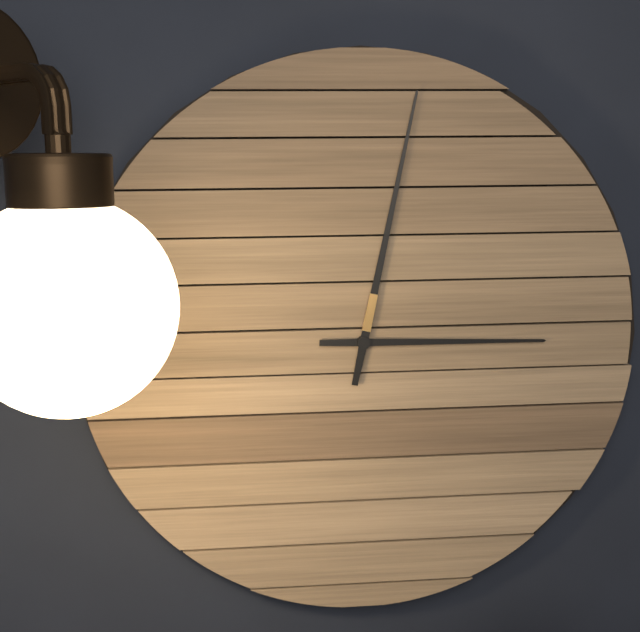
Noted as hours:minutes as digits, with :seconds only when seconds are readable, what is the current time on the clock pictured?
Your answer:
3:02
